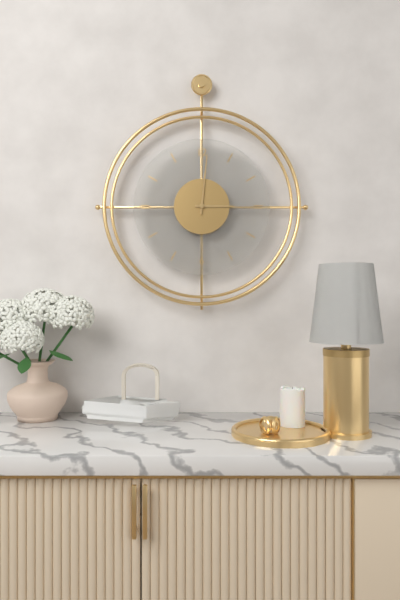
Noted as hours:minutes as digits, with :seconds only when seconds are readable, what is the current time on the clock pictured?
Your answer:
3:01
